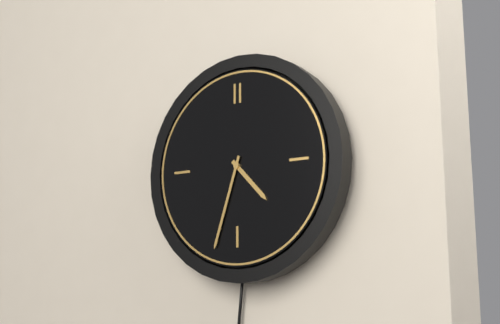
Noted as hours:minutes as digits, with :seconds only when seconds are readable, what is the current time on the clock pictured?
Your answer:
4:33
